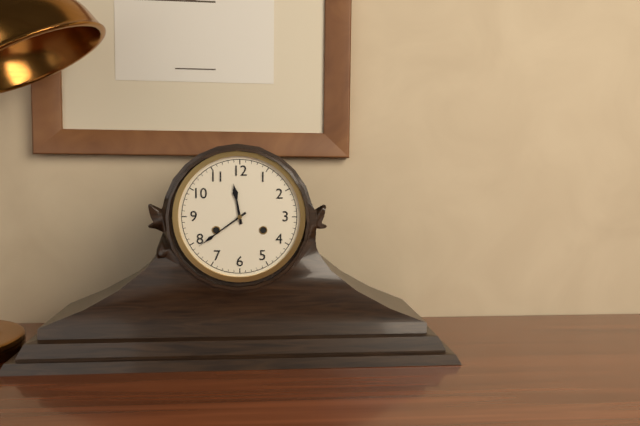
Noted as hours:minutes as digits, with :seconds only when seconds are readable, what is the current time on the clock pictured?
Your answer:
11:39
